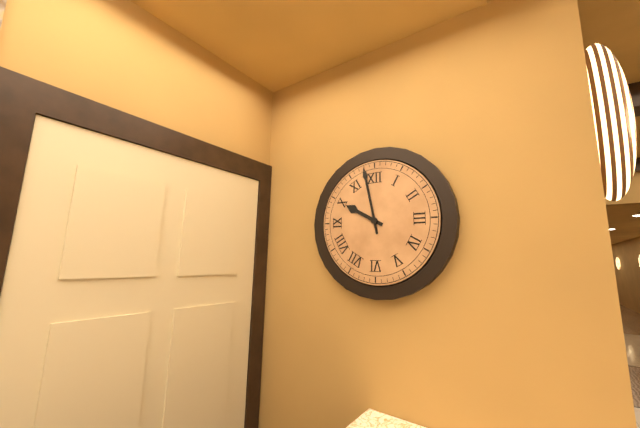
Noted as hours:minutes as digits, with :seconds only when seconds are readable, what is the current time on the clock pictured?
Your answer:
9:58
